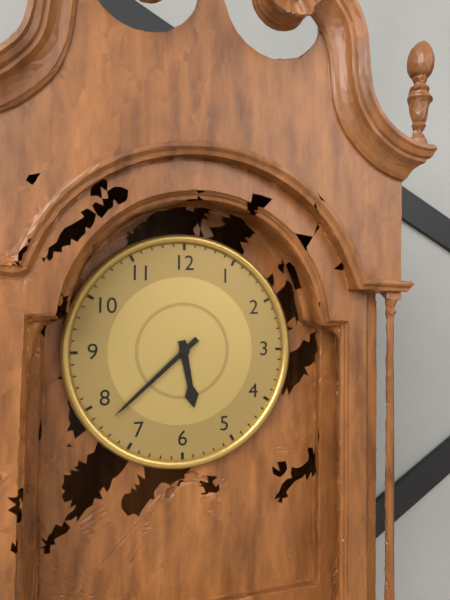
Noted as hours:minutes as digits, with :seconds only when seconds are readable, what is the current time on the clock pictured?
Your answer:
5:38
